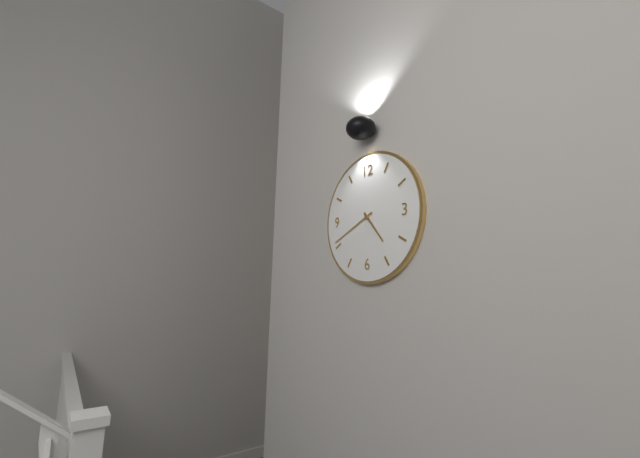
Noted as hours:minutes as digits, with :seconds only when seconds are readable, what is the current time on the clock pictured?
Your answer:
4:41
